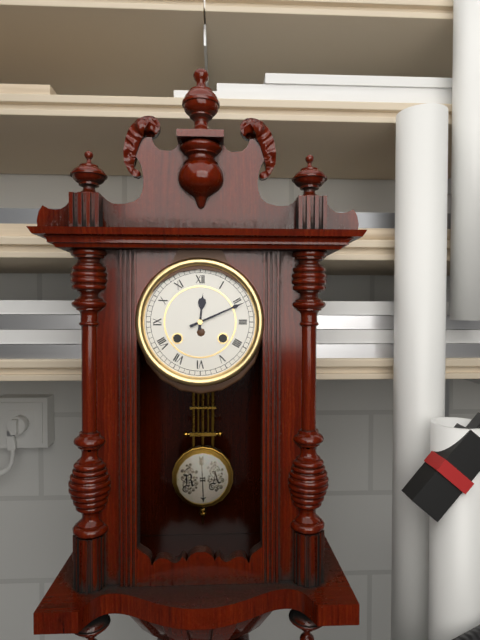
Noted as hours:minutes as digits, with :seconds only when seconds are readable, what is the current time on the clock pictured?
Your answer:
12:11
